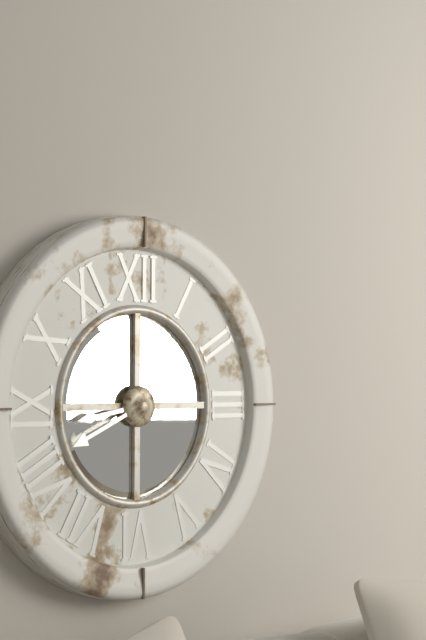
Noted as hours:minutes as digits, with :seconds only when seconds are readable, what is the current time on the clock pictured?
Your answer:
8:41
